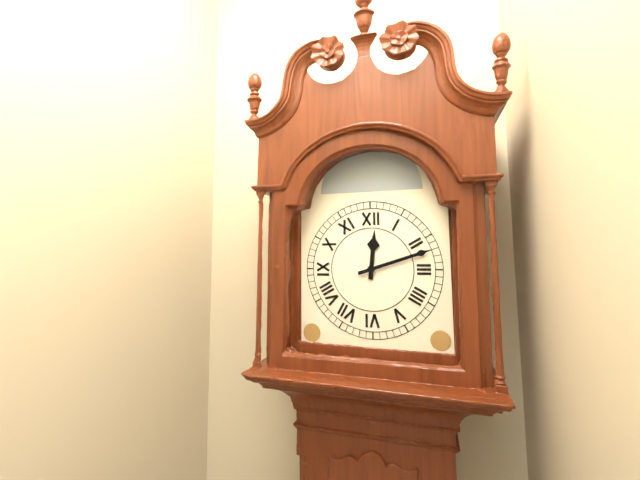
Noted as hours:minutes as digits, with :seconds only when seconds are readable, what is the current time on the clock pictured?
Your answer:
12:12
